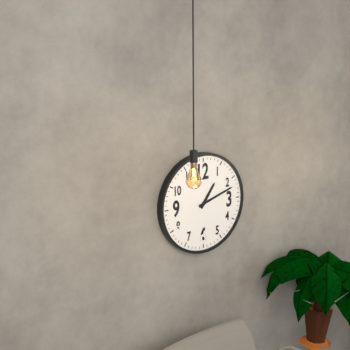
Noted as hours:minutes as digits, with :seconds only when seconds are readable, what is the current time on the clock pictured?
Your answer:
1:12
